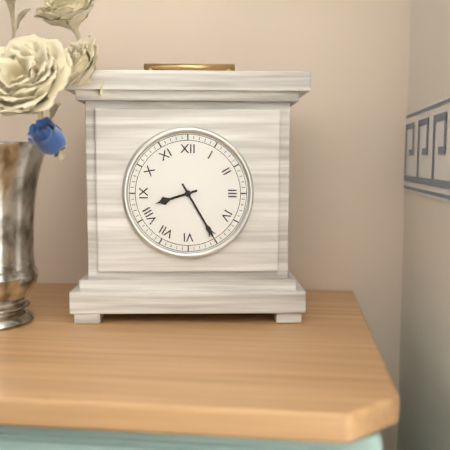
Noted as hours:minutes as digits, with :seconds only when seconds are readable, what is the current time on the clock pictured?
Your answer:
8:25
